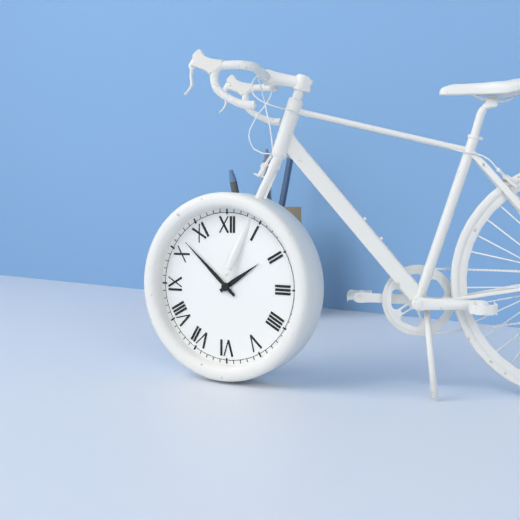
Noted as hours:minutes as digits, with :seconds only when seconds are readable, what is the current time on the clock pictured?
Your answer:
1:52
